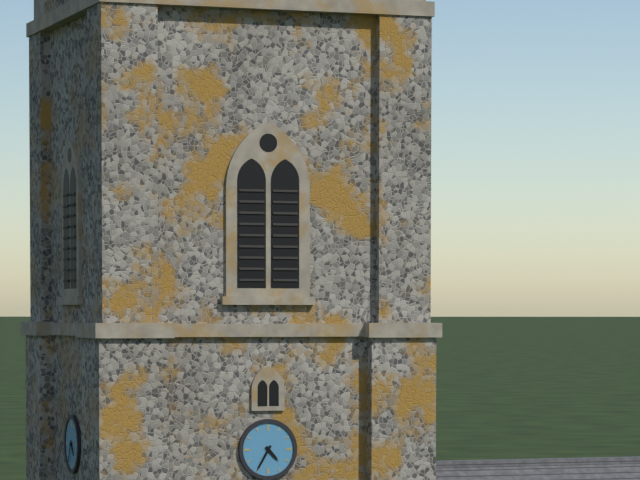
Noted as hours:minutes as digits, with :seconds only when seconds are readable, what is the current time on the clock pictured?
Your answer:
4:35
